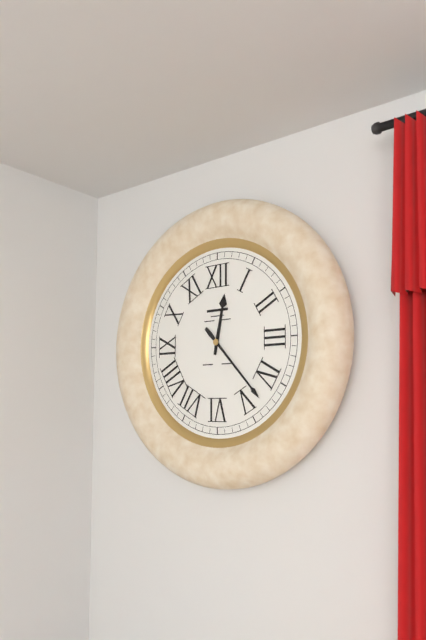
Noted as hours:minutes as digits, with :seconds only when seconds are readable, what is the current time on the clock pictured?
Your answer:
12:23
